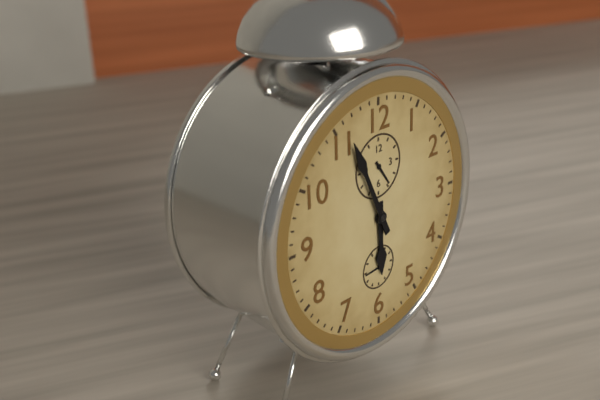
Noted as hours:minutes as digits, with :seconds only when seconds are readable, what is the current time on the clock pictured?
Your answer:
5:56
